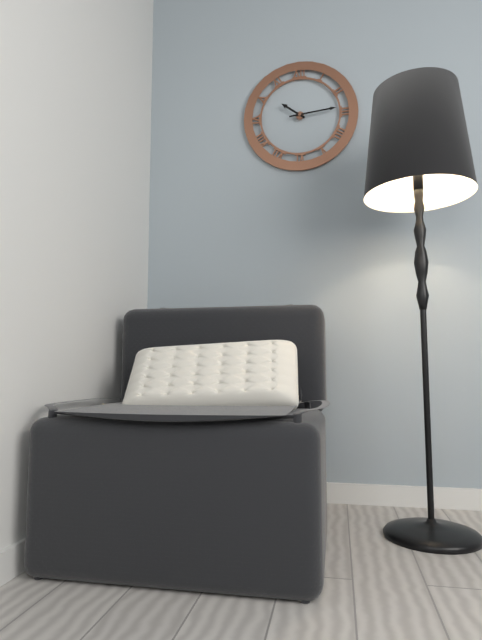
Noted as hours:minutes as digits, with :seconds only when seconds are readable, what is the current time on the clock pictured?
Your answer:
10:14
